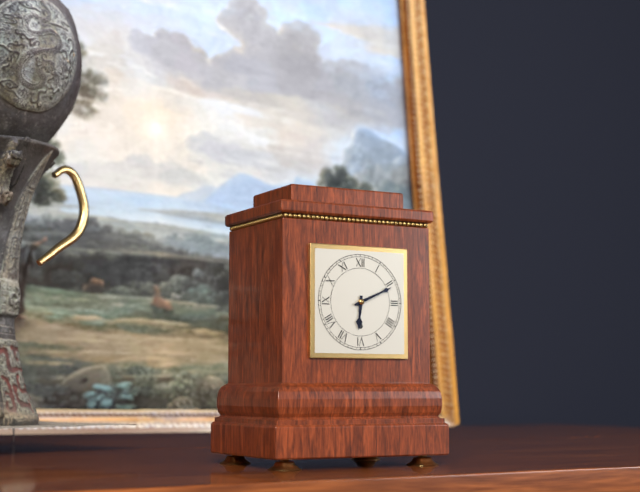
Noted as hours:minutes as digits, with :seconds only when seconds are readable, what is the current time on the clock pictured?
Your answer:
6:11
